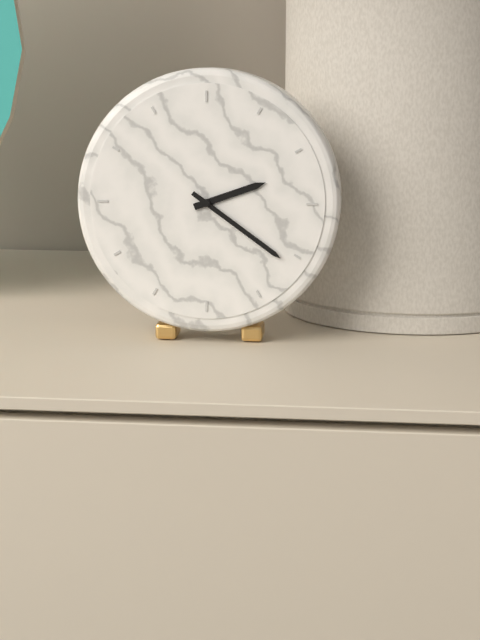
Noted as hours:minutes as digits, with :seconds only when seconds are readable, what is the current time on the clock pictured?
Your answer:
2:21
